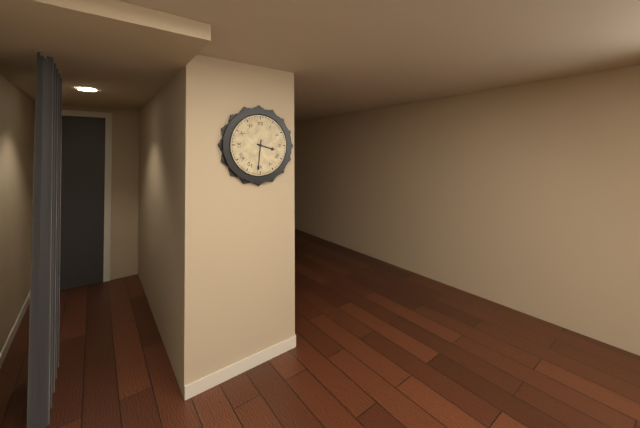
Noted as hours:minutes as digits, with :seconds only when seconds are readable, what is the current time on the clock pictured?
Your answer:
3:31
